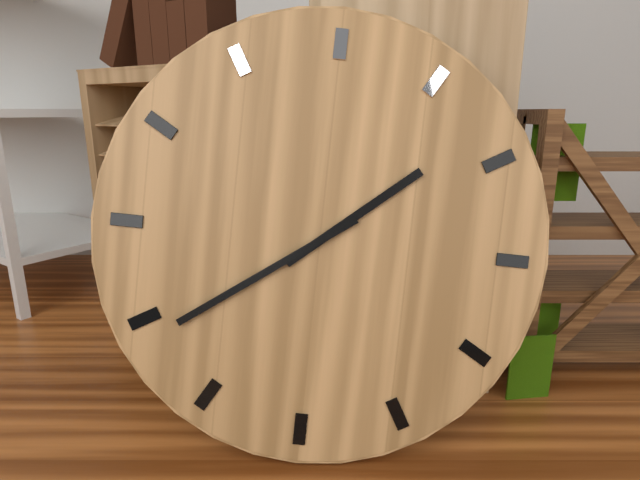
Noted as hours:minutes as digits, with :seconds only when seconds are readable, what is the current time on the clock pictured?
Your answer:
1:39
